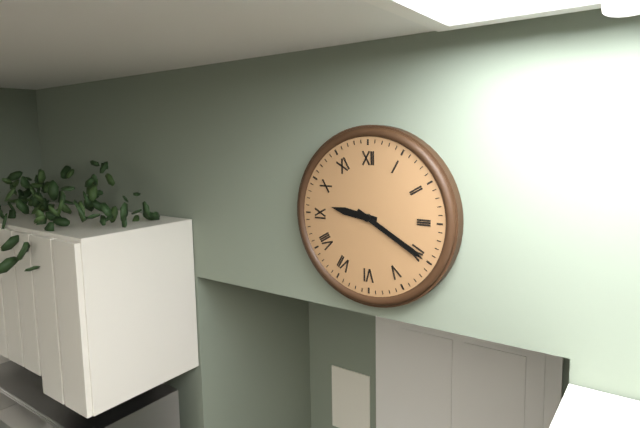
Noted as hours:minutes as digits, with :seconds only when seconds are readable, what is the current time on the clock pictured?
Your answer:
9:20
